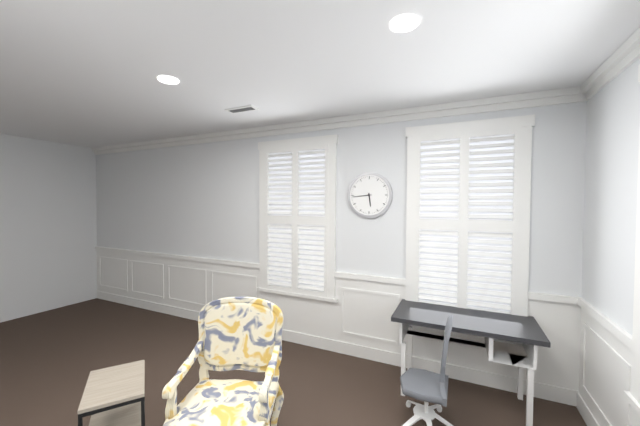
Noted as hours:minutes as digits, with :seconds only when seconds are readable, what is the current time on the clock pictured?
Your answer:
5:44
